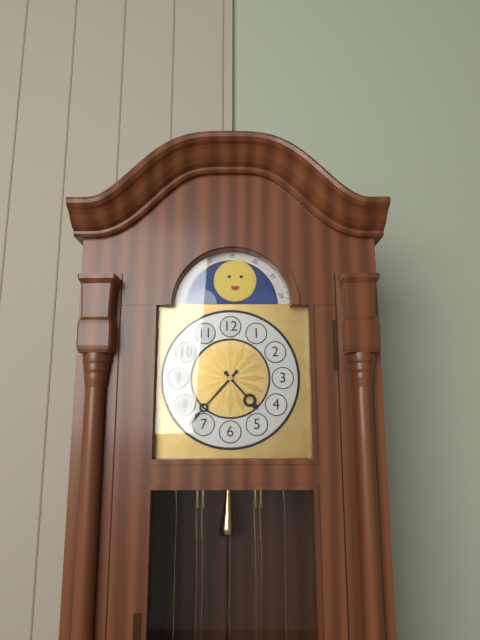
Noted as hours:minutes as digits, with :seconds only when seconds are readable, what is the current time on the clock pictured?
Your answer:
4:37
